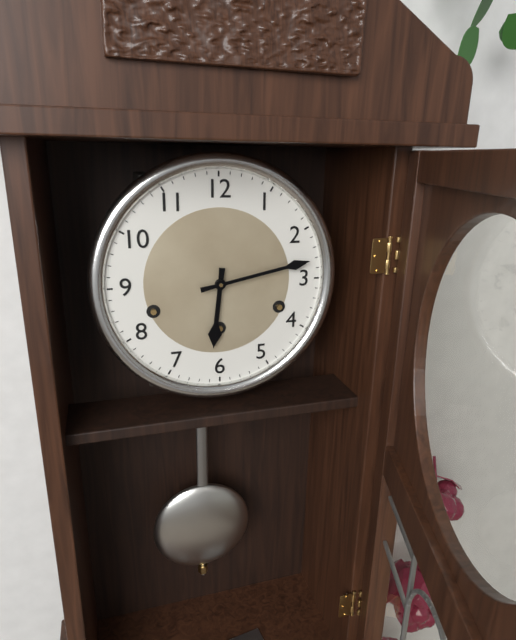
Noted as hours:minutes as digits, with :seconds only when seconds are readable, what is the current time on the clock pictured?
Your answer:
6:13
